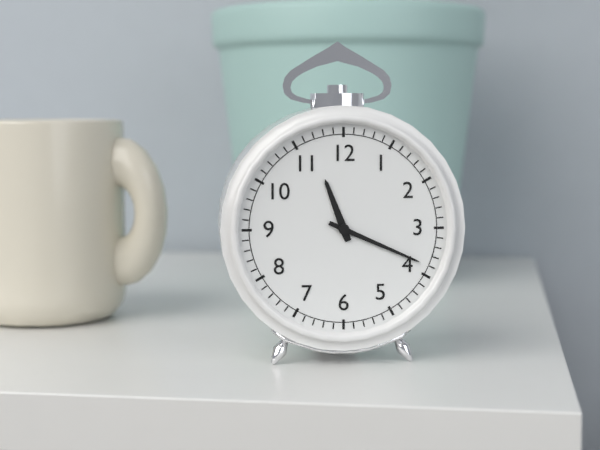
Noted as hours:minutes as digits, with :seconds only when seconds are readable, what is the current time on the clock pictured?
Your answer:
11:19
